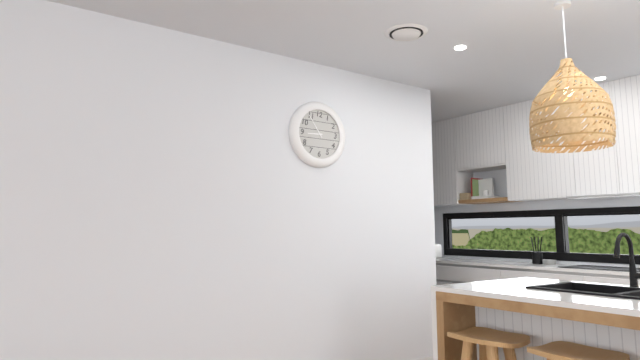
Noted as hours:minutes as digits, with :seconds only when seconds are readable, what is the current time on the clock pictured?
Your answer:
8:54
